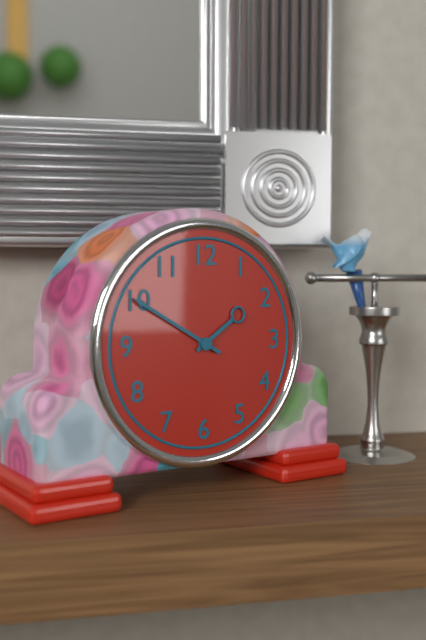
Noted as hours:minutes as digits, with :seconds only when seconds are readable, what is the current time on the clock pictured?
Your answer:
1:50
